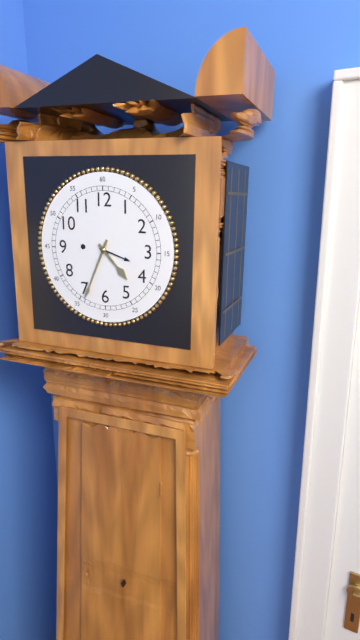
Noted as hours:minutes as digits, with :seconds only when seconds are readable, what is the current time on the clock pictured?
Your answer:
4:34
